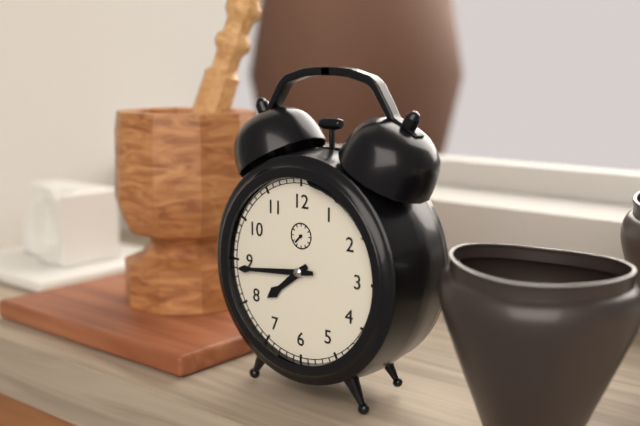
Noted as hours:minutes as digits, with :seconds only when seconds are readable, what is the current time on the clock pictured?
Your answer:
7:44
